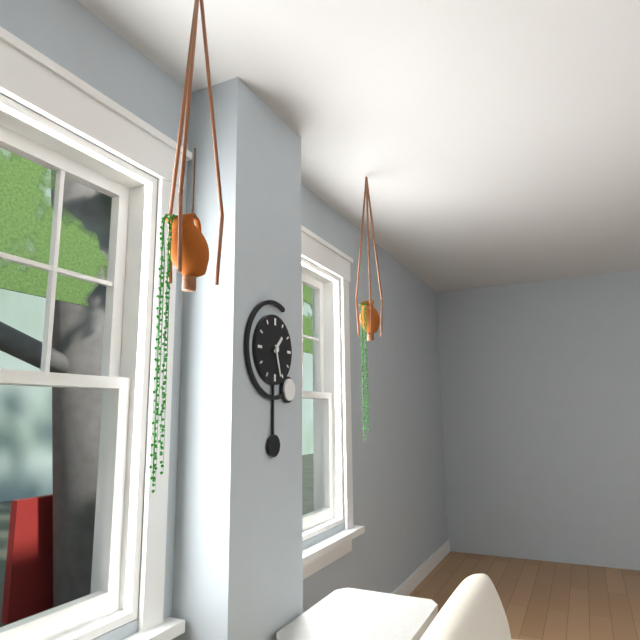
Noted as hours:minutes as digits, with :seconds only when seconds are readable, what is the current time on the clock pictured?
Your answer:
1:27
